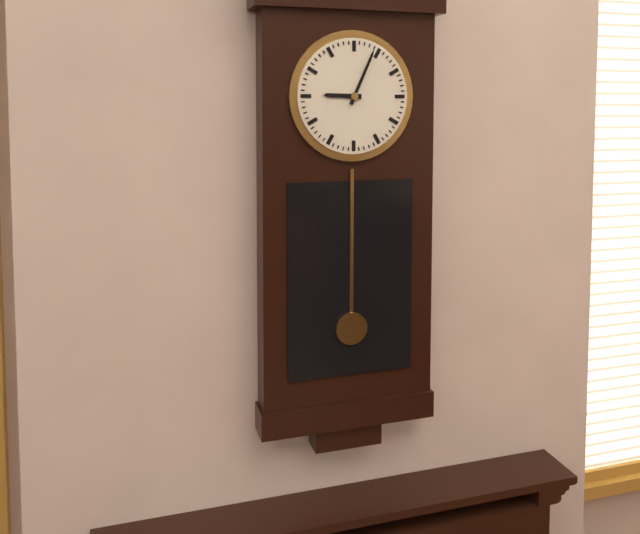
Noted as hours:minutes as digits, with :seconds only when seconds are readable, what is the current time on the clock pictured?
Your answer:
9:04
